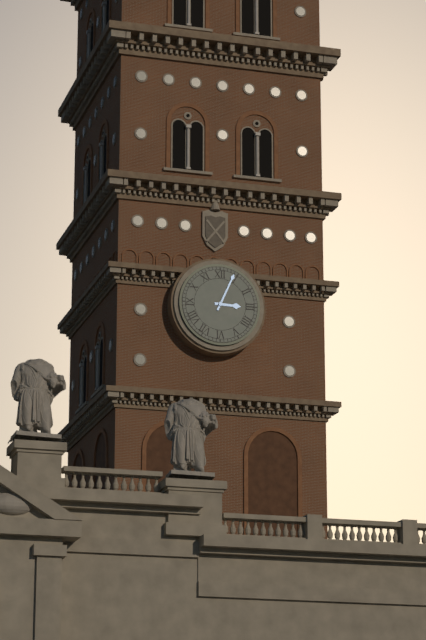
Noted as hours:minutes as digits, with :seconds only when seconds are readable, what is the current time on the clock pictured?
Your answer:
3:04
